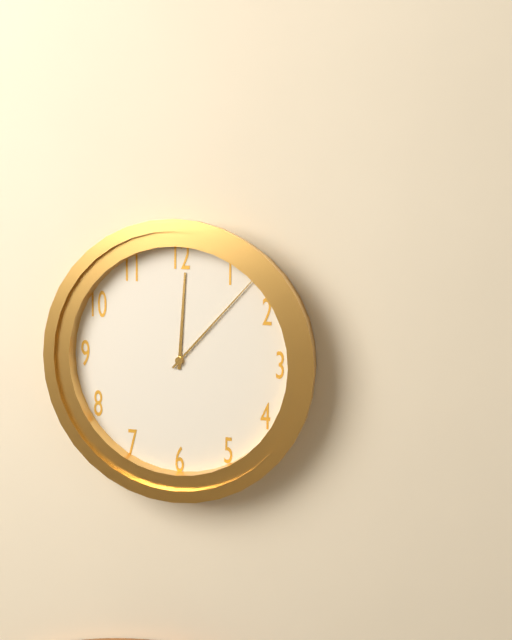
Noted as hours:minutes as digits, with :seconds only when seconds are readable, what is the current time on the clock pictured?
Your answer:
12:07
